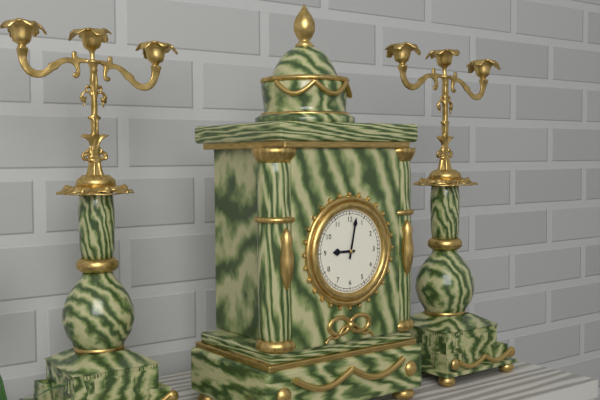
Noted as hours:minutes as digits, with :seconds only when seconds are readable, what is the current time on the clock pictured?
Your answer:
9:02
